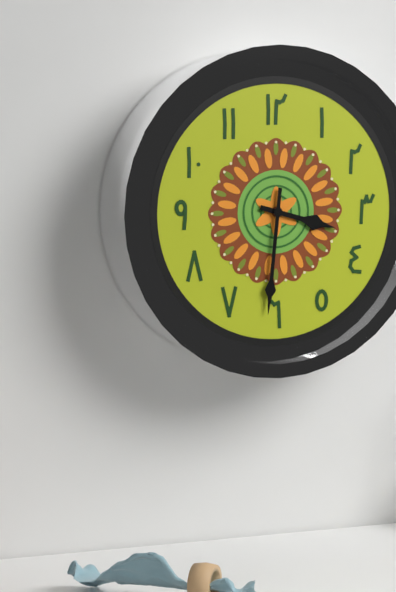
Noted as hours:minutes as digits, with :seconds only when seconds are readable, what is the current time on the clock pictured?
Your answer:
3:31
